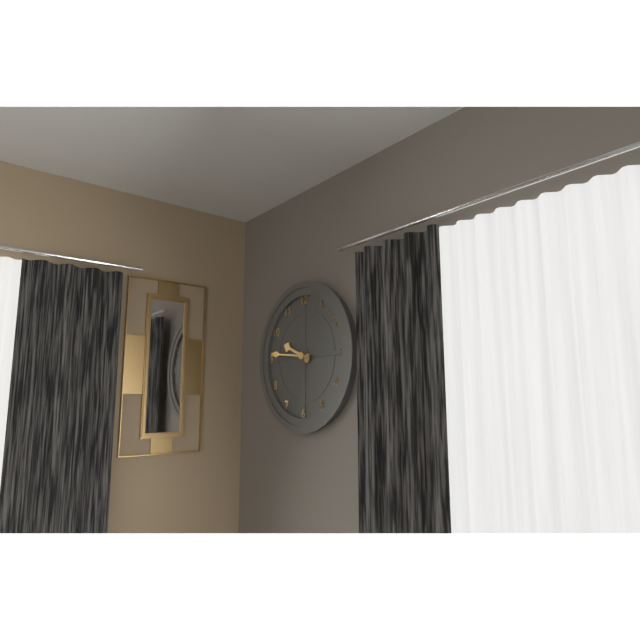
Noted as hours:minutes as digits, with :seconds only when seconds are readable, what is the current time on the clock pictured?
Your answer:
9:46
